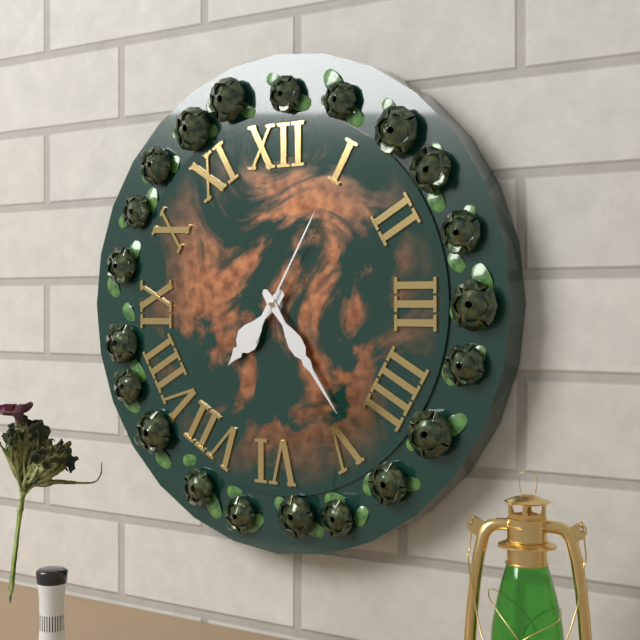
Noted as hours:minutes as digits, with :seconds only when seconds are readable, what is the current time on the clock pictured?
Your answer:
7:24:05
